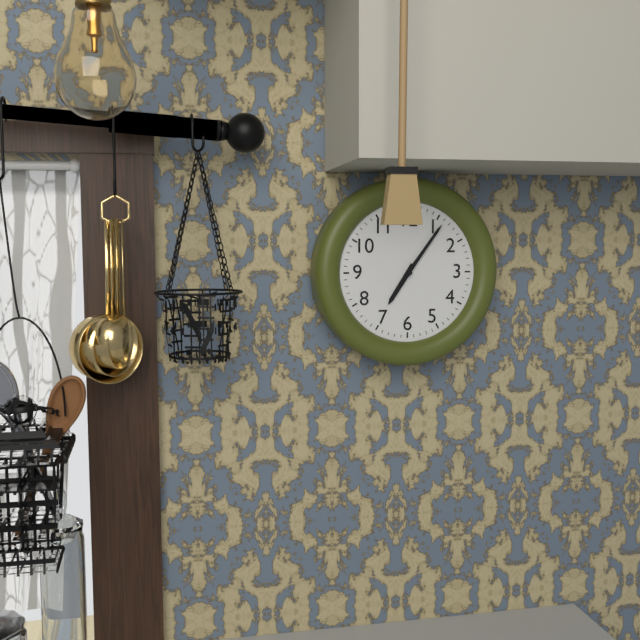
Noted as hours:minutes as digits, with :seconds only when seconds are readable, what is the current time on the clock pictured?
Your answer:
7:06
